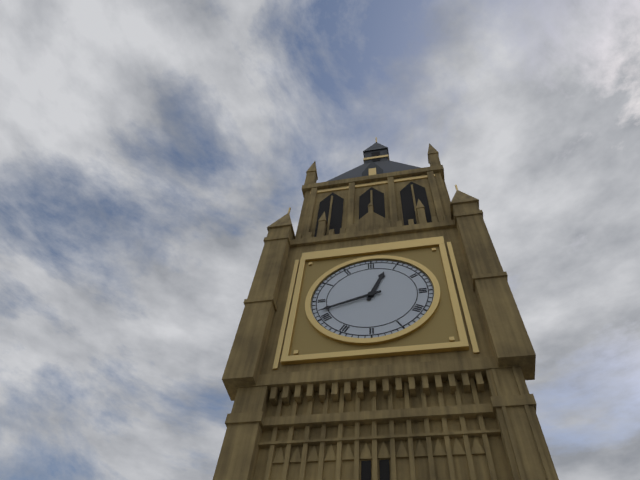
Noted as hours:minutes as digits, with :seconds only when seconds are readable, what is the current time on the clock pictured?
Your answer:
12:42
